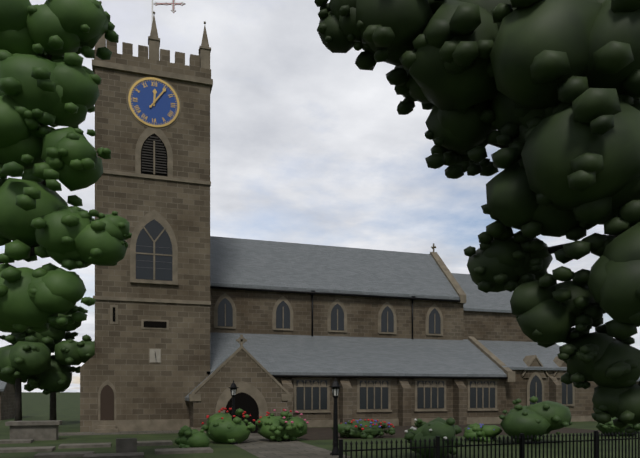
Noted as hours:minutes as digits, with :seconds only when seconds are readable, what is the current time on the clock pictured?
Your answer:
12:06
